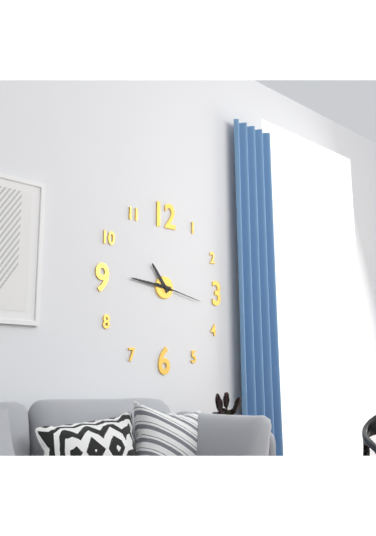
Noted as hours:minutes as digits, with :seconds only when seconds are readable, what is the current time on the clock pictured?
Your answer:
10:46
